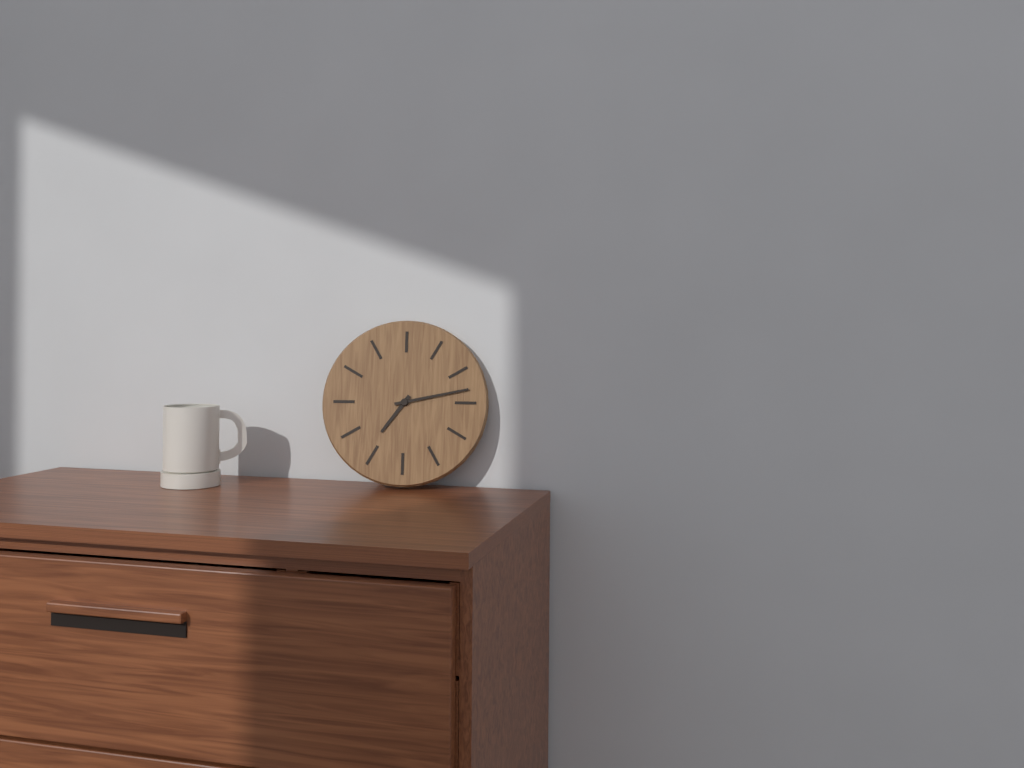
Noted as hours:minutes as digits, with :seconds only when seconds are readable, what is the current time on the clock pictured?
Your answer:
7:13
